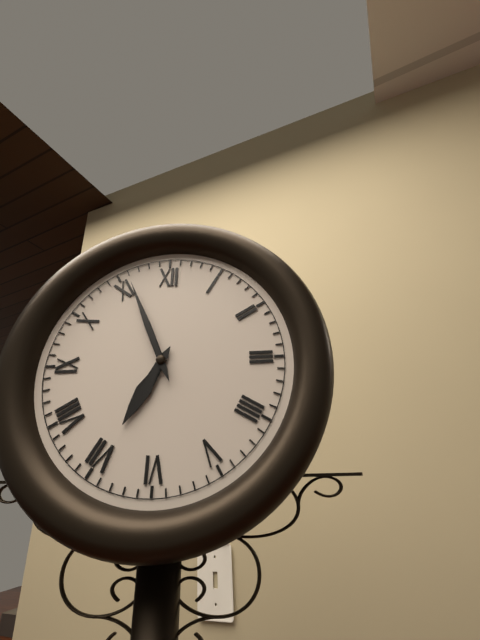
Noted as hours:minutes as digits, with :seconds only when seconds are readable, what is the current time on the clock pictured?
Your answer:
6:56
